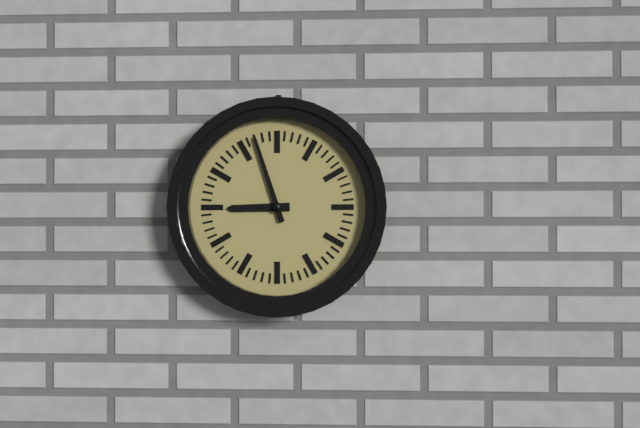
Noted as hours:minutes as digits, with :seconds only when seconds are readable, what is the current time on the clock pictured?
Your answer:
8:57
